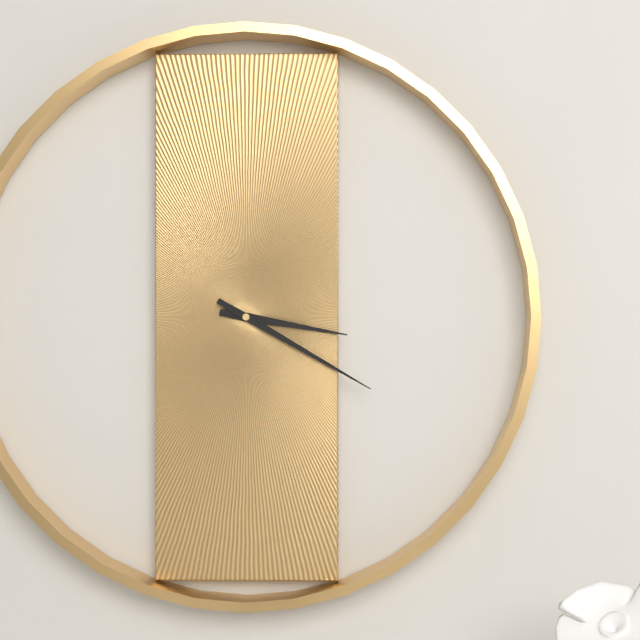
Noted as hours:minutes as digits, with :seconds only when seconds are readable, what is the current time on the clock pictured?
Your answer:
3:20
